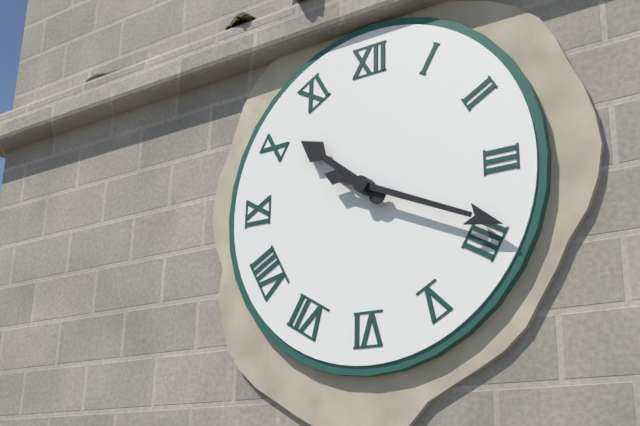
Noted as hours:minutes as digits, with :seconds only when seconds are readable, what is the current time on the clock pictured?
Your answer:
10:19
